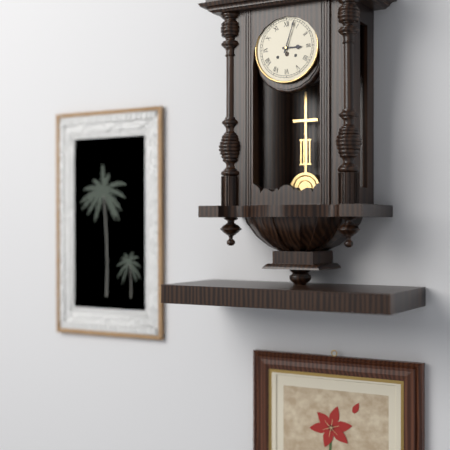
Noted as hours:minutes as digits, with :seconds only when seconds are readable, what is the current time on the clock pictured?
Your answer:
3:03
